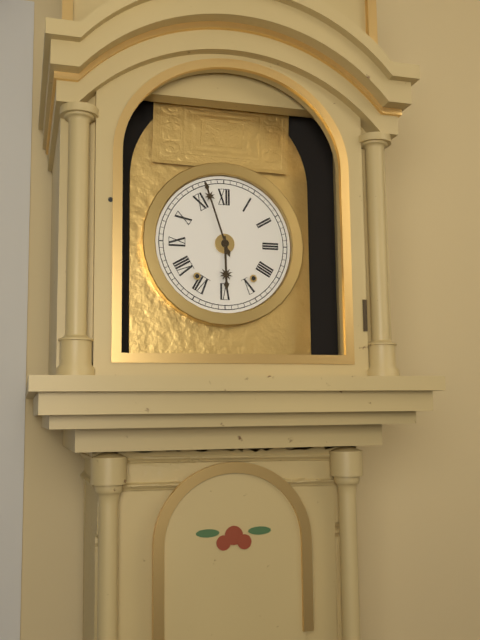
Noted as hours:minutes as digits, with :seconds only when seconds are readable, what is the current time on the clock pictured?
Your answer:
5:57
